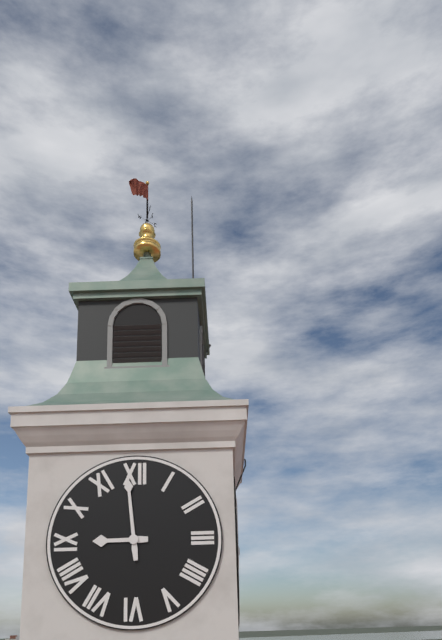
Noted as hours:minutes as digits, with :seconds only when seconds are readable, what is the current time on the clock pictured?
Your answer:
8:59
